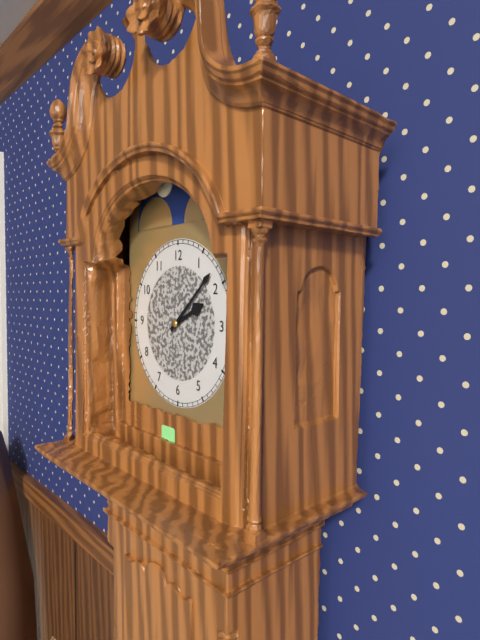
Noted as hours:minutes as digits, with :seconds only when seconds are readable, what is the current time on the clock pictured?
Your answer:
2:08
